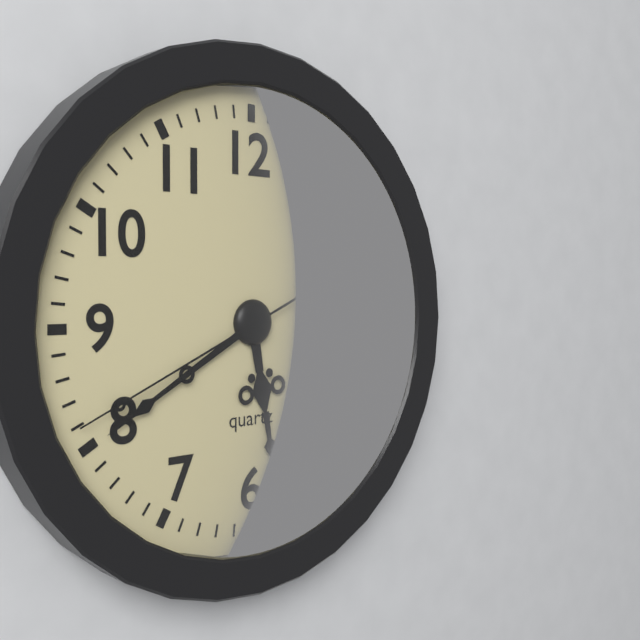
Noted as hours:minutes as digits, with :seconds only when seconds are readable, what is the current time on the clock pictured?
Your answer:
5:40:41
